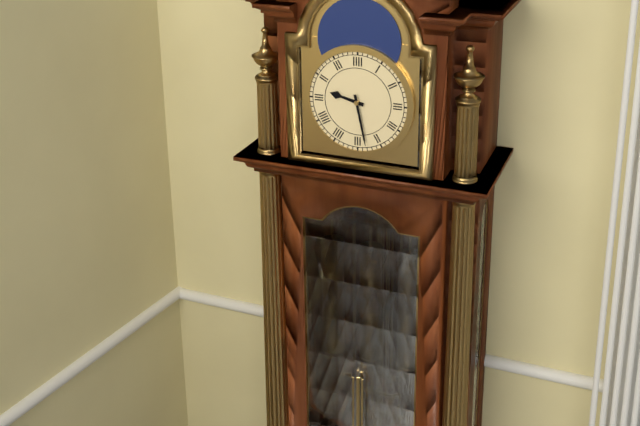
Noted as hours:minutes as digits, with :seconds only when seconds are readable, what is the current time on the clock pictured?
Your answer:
9:28
